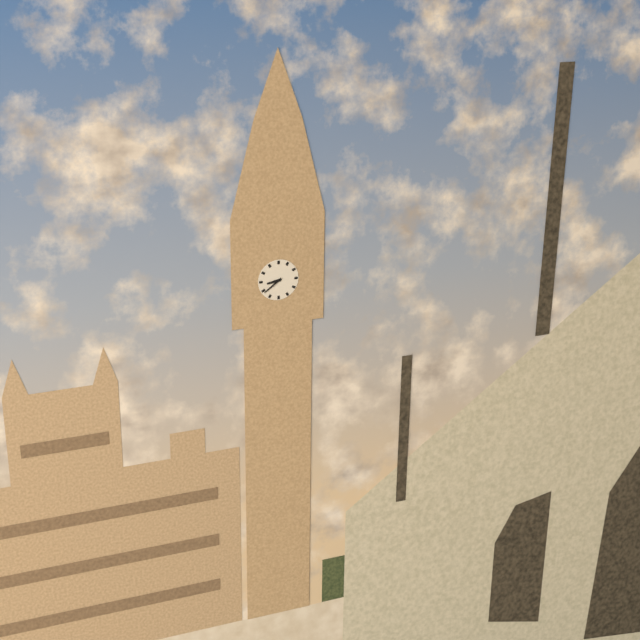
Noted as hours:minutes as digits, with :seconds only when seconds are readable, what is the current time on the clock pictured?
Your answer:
8:39
